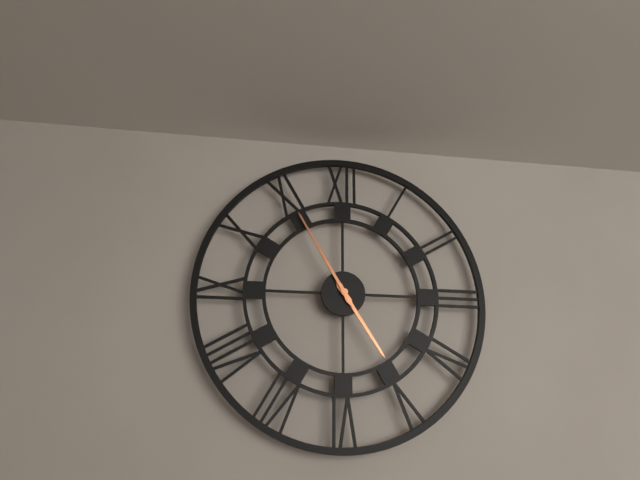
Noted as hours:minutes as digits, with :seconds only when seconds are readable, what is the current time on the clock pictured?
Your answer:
4:55
